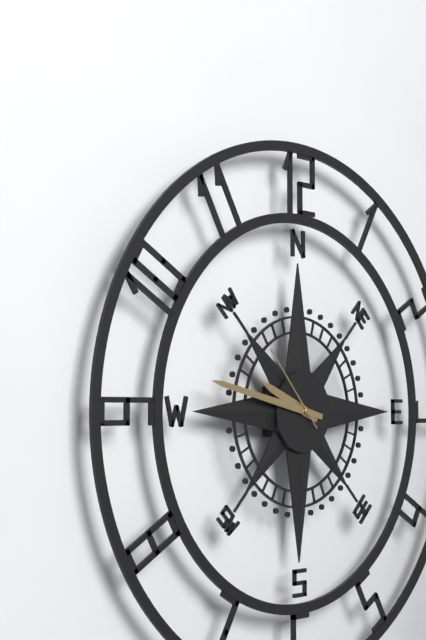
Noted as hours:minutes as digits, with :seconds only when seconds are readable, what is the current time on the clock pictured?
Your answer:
9:47:53
